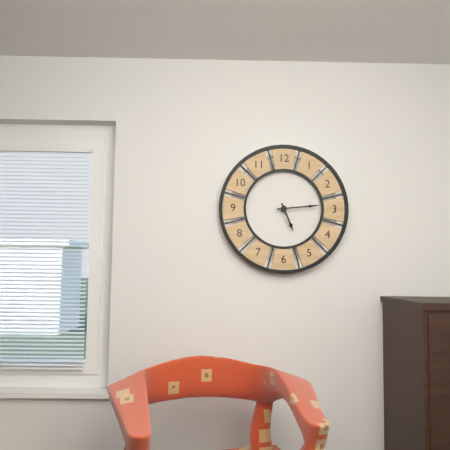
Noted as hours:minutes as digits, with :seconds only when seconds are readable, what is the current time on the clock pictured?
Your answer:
5:14
